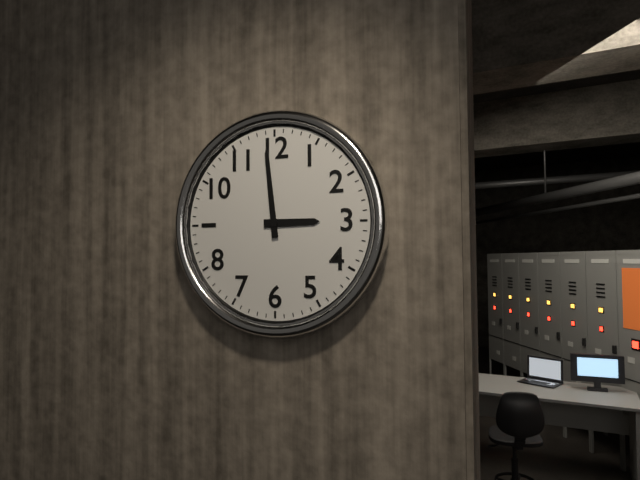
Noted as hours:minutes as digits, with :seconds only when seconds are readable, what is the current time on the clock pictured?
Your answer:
2:59
